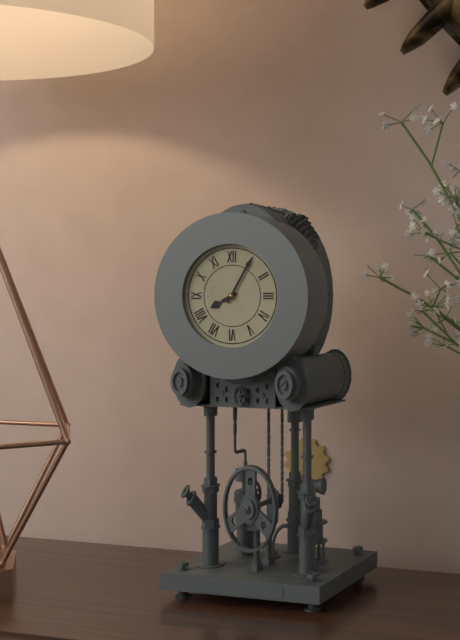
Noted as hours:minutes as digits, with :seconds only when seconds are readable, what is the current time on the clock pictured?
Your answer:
8:05
